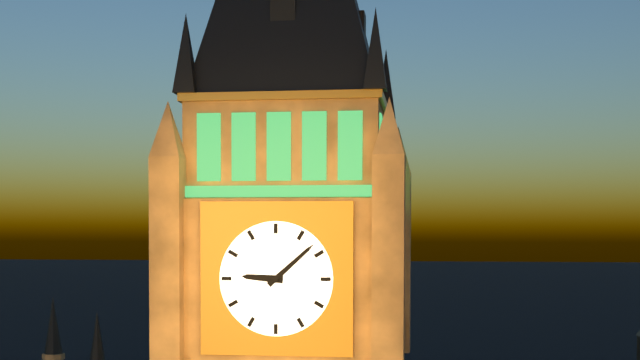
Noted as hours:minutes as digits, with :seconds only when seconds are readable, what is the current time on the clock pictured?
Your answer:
9:08
